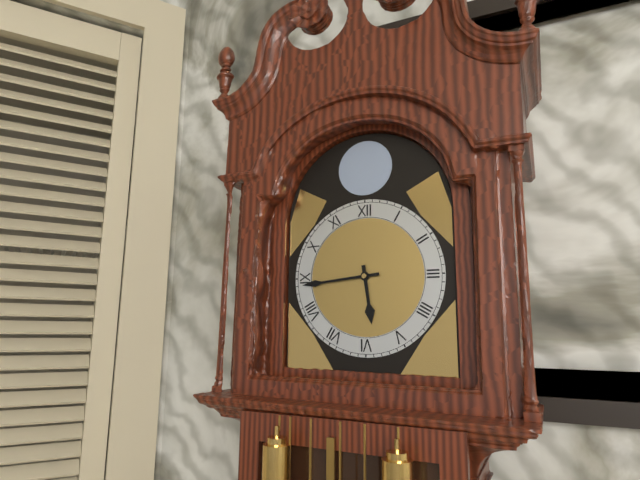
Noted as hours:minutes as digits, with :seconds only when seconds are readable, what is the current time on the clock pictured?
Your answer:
5:44
